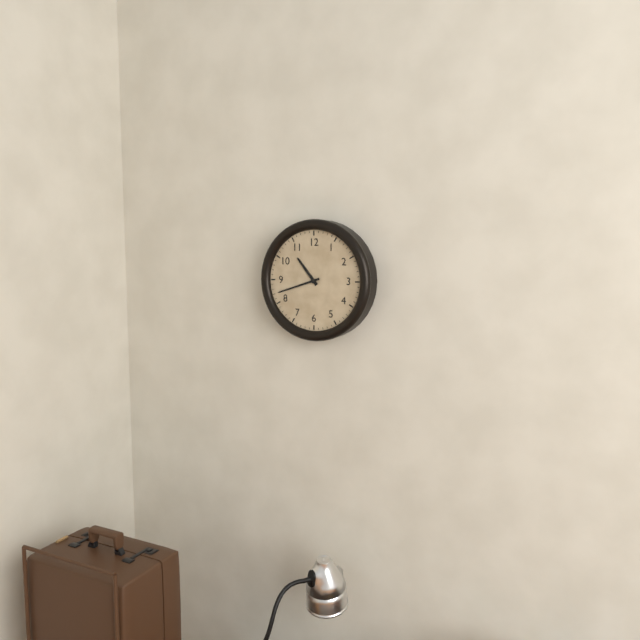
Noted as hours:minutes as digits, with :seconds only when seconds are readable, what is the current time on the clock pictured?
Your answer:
10:42
